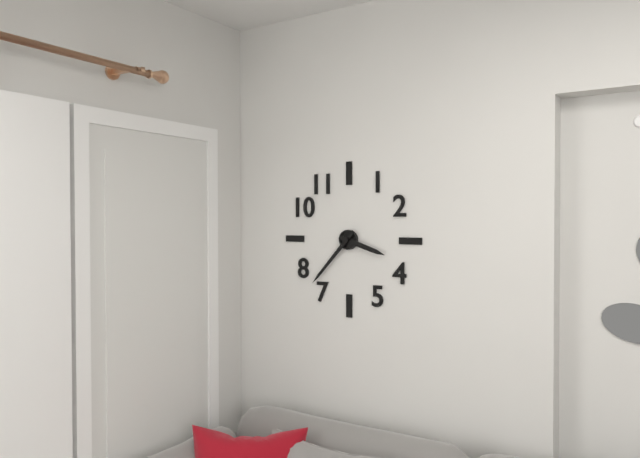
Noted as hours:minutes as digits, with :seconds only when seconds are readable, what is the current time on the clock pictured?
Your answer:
3:37
